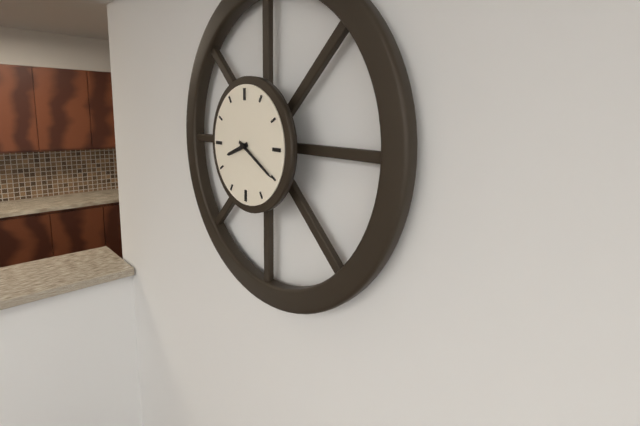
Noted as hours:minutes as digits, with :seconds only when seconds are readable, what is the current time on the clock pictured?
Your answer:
8:20
